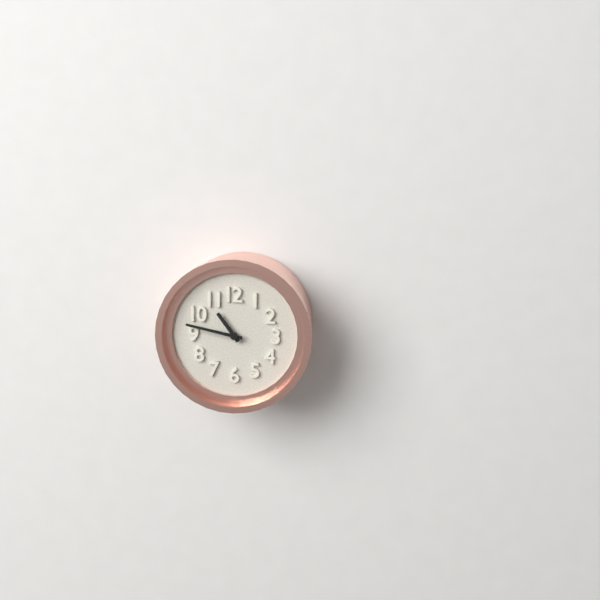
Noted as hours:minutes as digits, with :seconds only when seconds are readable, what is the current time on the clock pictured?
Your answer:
10:47
